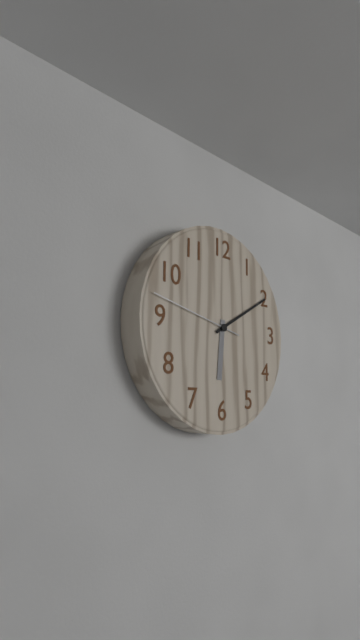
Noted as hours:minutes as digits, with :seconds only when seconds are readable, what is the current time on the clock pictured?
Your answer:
6:10:47
